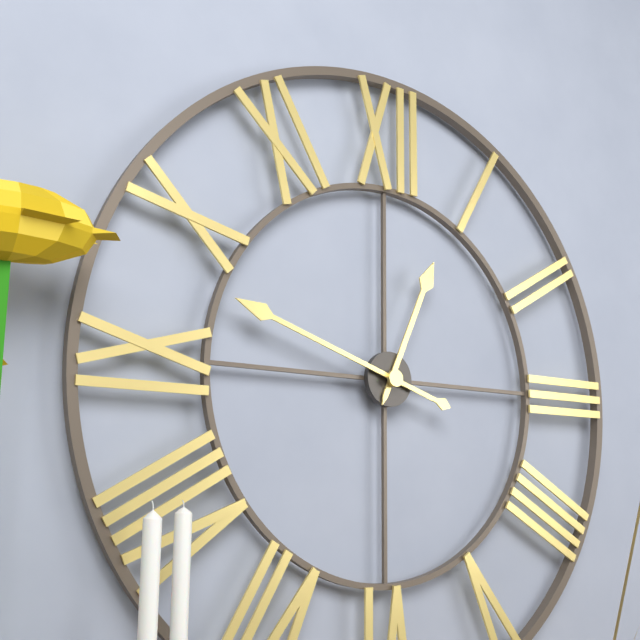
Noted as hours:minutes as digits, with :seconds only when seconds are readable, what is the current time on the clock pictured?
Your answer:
12:48
